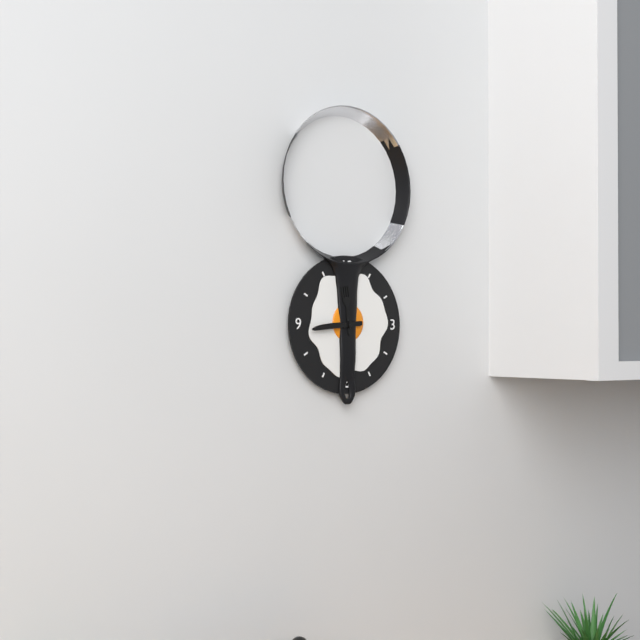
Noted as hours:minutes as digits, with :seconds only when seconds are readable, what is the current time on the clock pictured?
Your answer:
11:44
